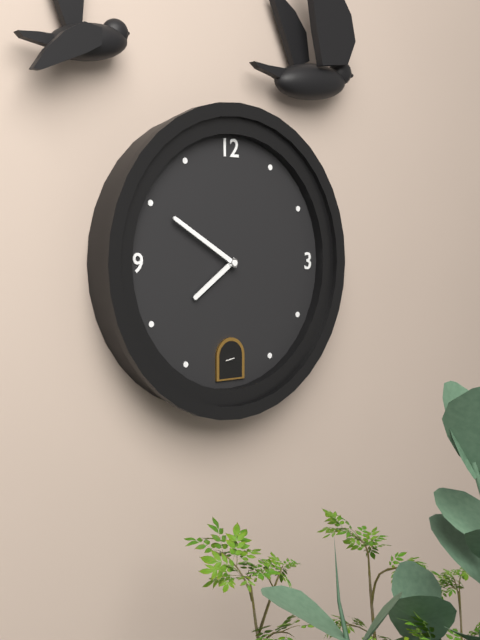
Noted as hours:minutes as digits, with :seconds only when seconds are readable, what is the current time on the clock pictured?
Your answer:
7:50
